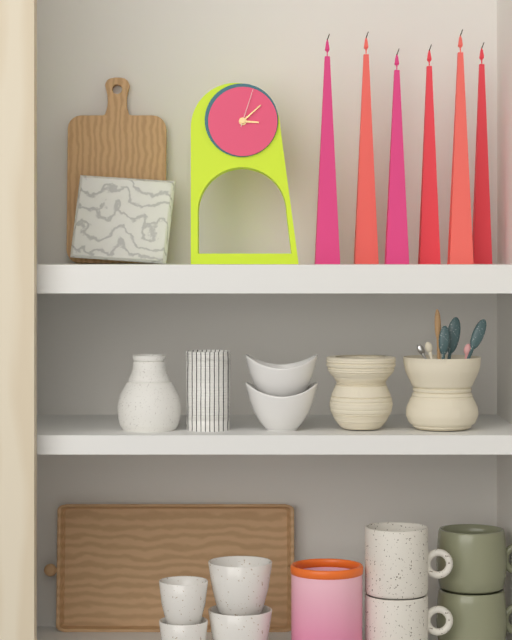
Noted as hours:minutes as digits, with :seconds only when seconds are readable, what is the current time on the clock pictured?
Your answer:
3:08
